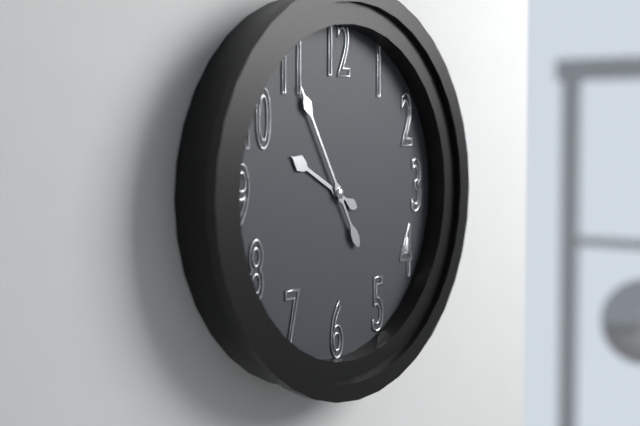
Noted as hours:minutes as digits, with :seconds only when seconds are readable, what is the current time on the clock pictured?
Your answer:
9:55
